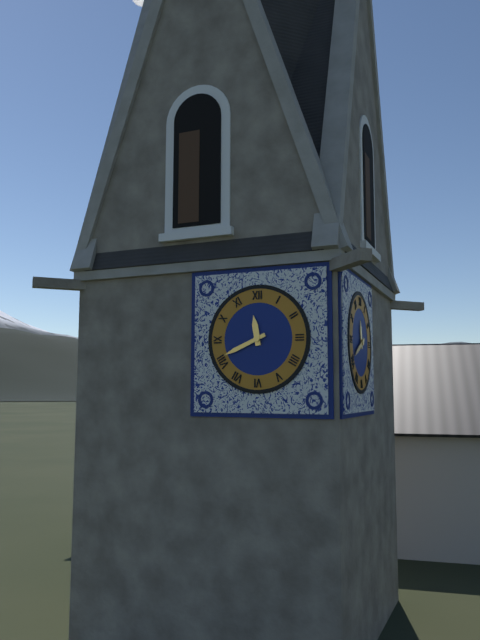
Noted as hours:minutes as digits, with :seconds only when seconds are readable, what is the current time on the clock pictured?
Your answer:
11:41
